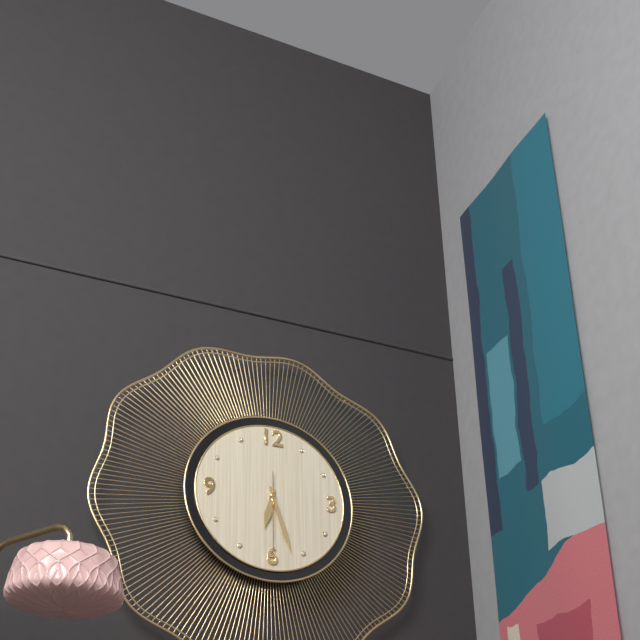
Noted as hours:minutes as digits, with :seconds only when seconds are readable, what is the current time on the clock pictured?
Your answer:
6:27:30
